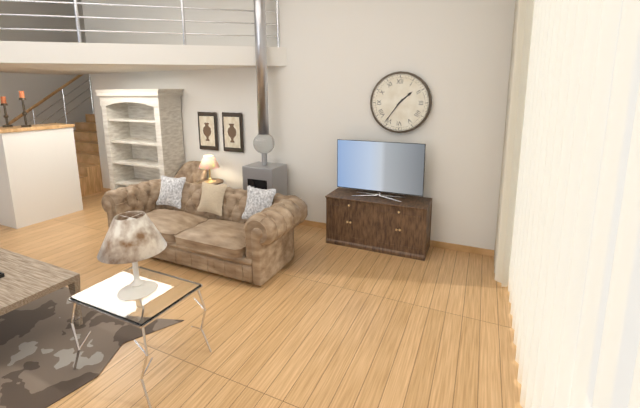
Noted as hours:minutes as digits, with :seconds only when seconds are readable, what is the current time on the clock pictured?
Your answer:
1:36
